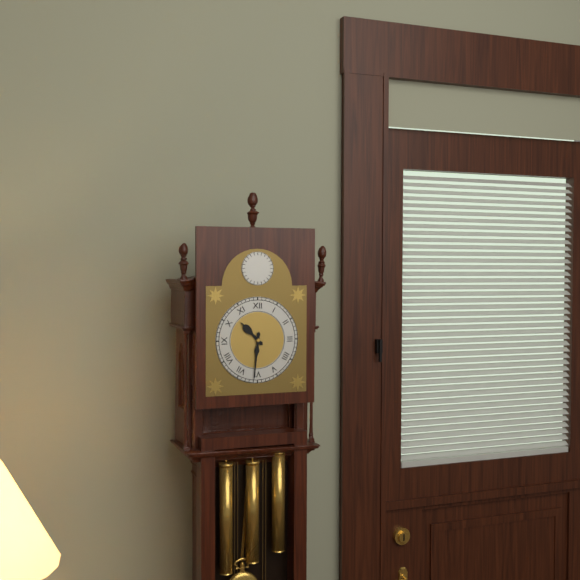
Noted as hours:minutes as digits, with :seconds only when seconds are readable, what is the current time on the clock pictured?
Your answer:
10:31
